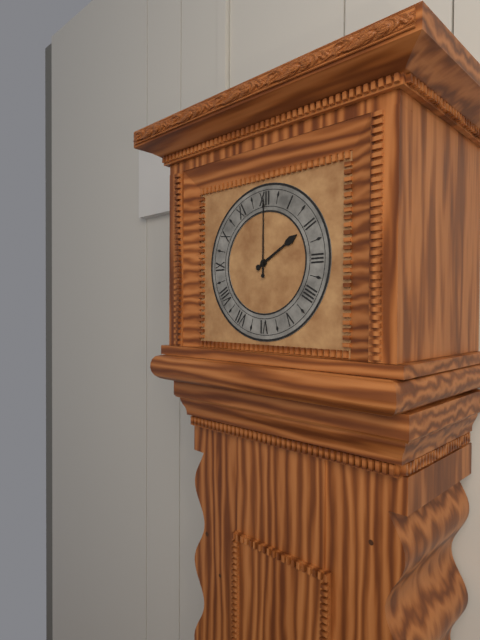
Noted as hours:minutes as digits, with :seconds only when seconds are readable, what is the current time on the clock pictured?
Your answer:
2:00
